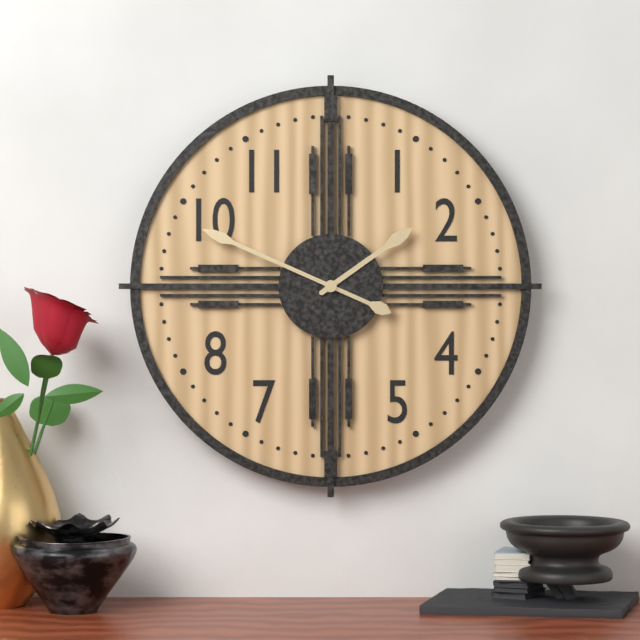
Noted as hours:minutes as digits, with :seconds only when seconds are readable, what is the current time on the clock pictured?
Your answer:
1:49
